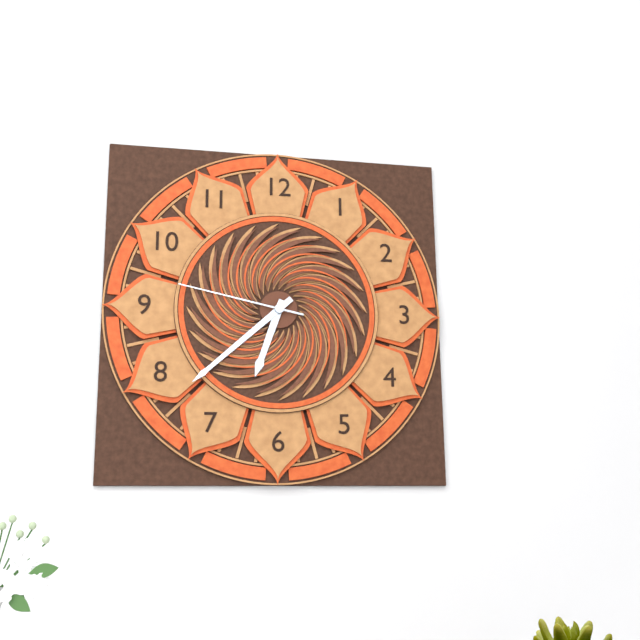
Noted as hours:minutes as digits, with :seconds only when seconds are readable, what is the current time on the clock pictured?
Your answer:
6:38:47
